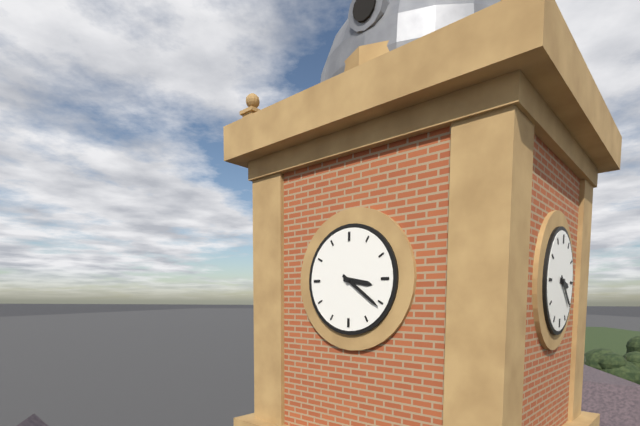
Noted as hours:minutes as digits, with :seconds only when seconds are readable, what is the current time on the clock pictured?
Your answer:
3:21
